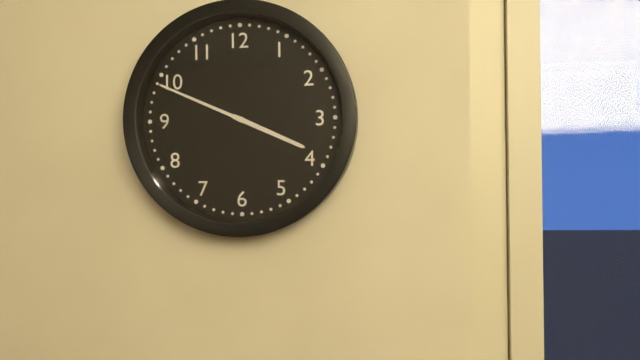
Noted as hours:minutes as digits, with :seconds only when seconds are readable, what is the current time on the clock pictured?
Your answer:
3:49
